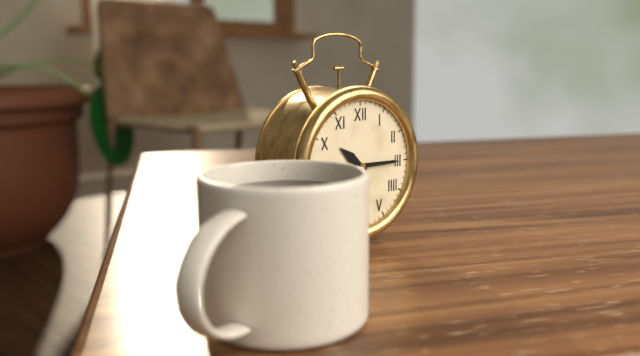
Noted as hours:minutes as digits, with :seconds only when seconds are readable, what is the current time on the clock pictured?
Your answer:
10:15
